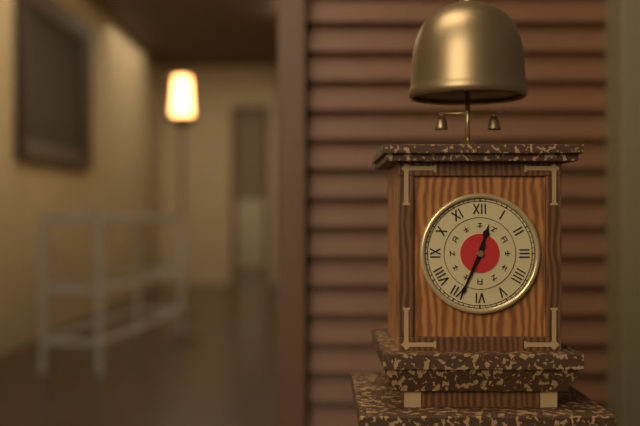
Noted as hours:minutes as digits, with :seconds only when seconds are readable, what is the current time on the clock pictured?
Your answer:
12:34
